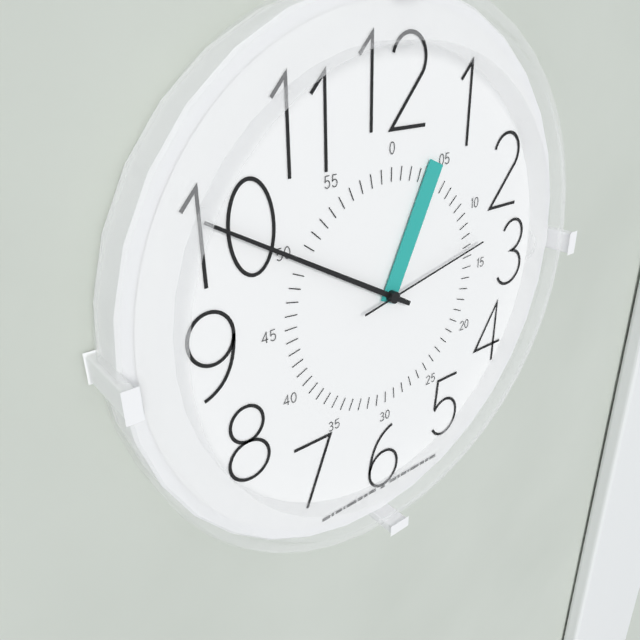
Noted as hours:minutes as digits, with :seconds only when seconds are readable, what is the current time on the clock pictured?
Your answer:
12:50:13
